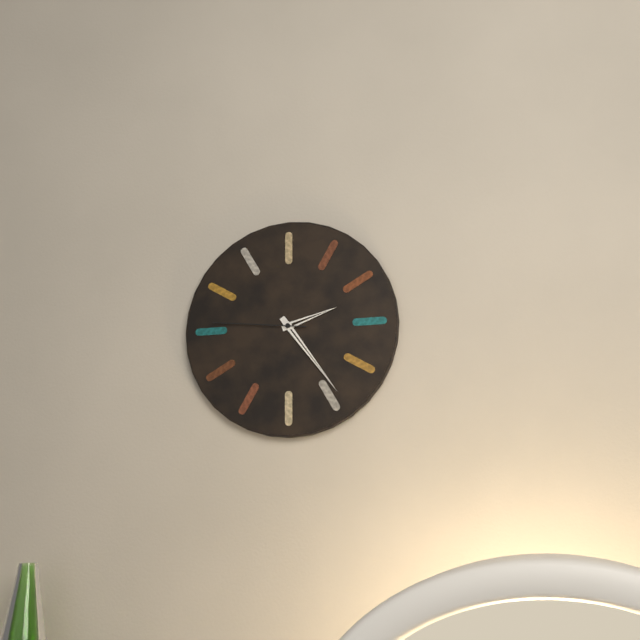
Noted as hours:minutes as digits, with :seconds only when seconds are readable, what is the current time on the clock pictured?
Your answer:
2:24:46
